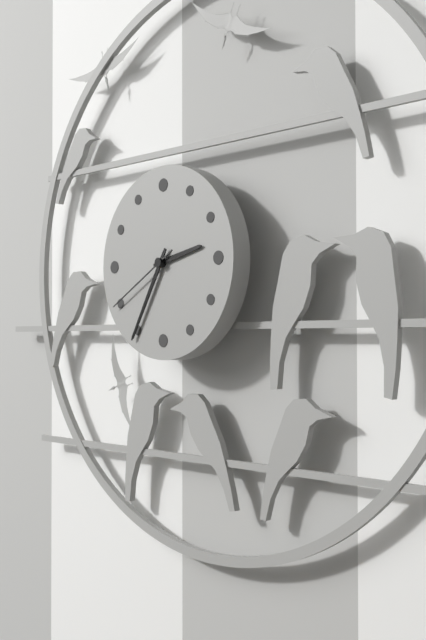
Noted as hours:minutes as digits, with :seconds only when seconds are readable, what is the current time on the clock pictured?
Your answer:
2:35:40
